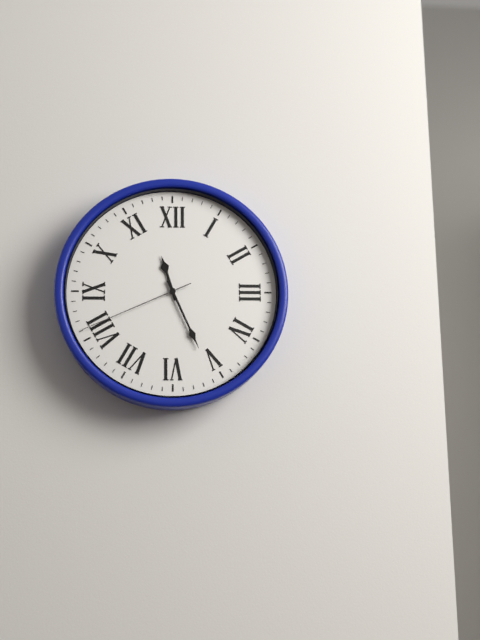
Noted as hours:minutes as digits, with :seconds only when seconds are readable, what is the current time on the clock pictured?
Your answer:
11:26:41
